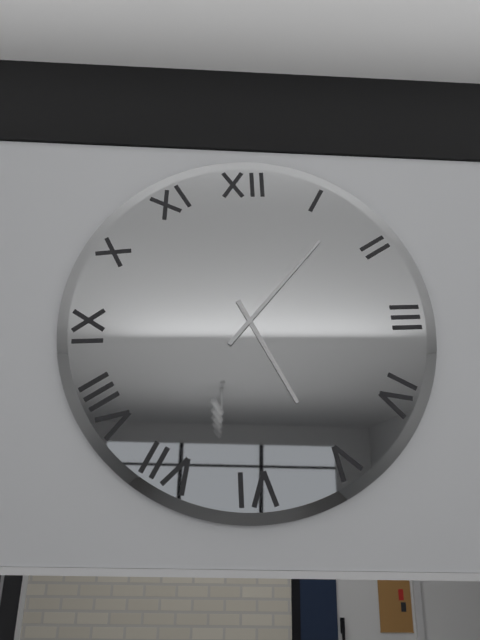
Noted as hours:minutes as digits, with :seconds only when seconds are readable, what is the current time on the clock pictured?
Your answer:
5:07
